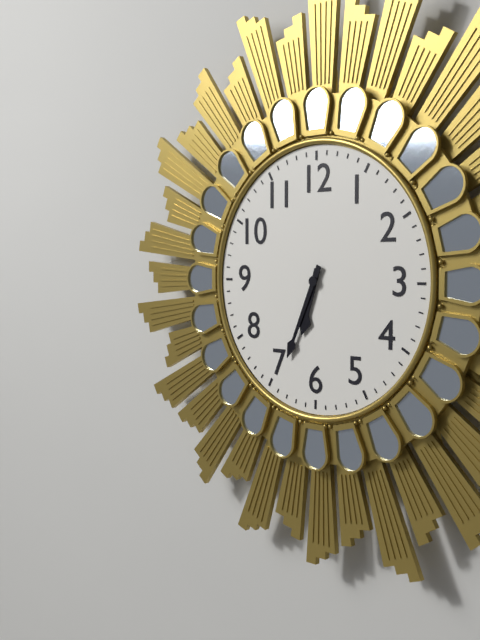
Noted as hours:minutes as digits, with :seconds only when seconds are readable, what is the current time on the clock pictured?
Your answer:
6:34
